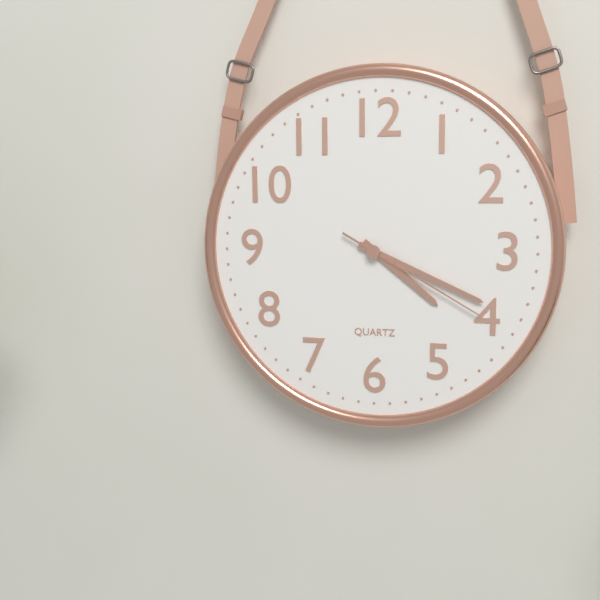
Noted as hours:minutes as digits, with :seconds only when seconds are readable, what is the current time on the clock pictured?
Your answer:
4:19:20
